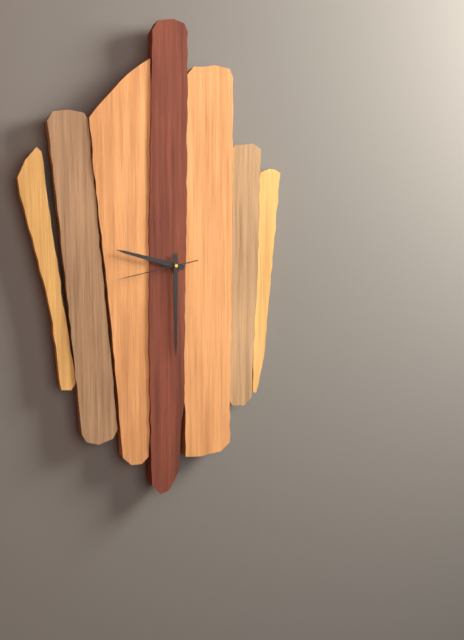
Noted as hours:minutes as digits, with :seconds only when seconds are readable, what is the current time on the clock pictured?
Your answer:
9:30:43
